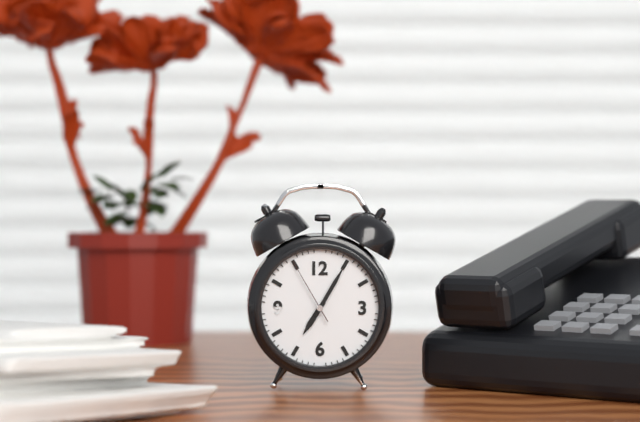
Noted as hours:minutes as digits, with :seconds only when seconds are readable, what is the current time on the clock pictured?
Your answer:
7:05:55
